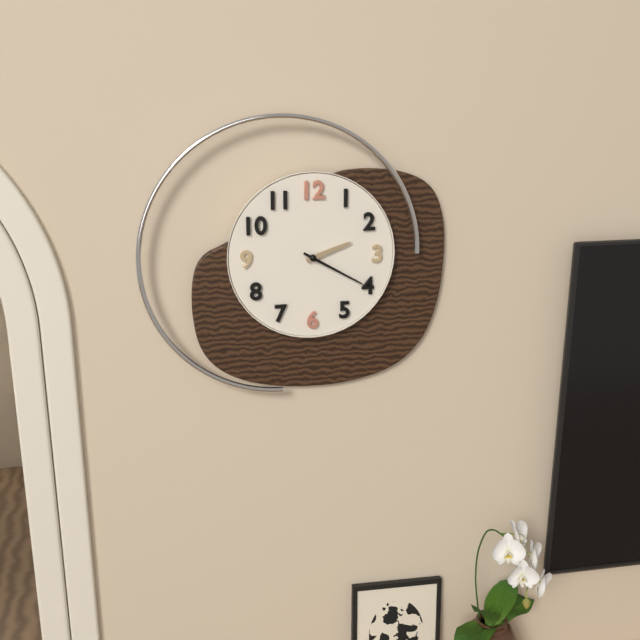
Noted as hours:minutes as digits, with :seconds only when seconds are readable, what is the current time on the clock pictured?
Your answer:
2:20
